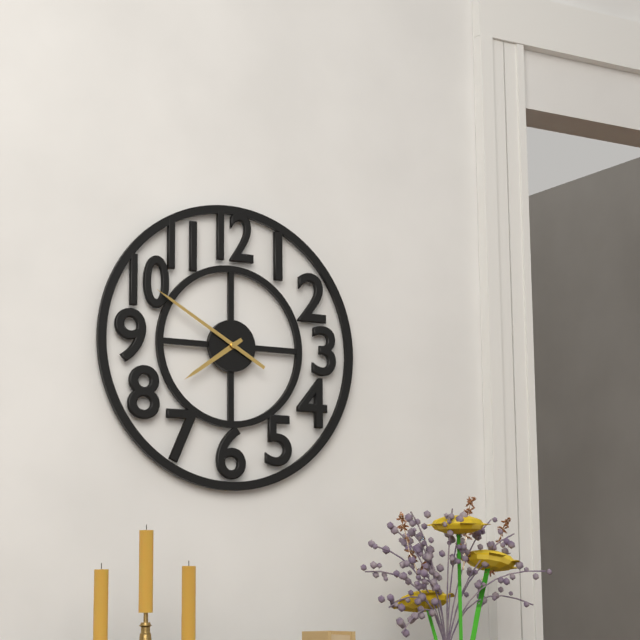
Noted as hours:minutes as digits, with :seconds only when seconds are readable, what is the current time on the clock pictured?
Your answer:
7:50
